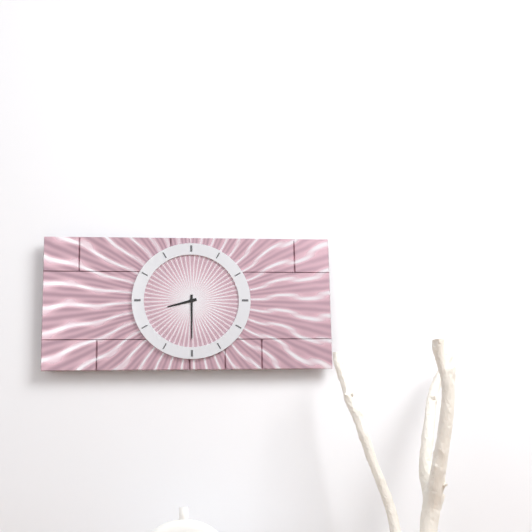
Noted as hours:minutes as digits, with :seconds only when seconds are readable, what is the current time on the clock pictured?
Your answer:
8:30
